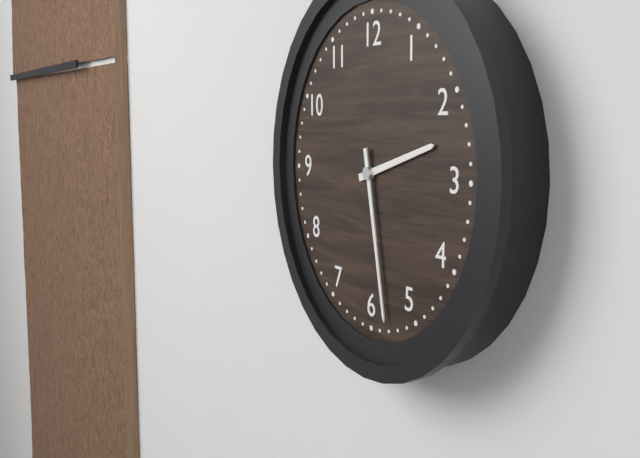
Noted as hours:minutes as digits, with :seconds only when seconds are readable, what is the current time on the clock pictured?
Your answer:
2:28
